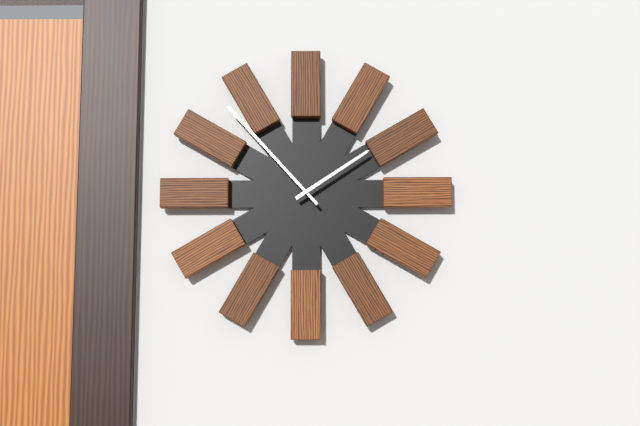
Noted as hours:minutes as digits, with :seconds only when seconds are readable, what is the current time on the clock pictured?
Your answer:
1:53
